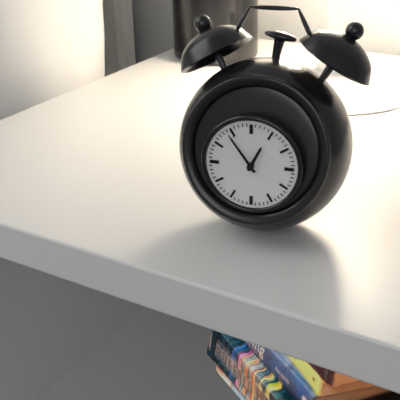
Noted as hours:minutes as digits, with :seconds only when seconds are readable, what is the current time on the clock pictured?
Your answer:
12:54
